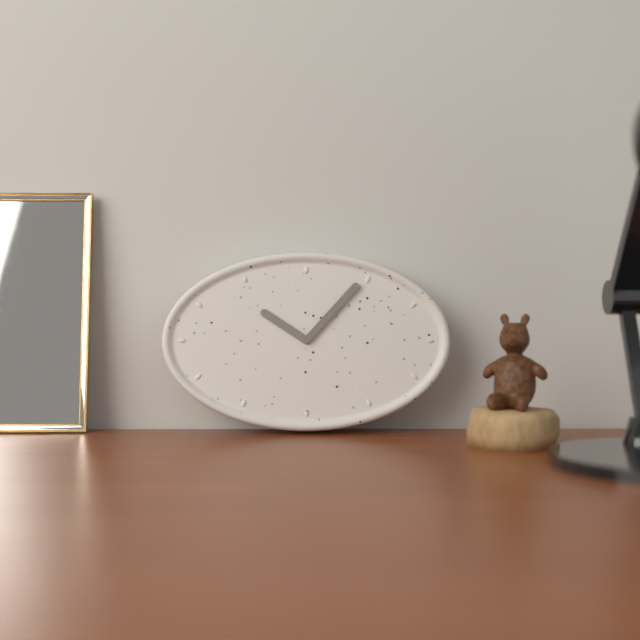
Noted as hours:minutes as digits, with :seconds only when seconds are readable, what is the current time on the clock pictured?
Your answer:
10:07
